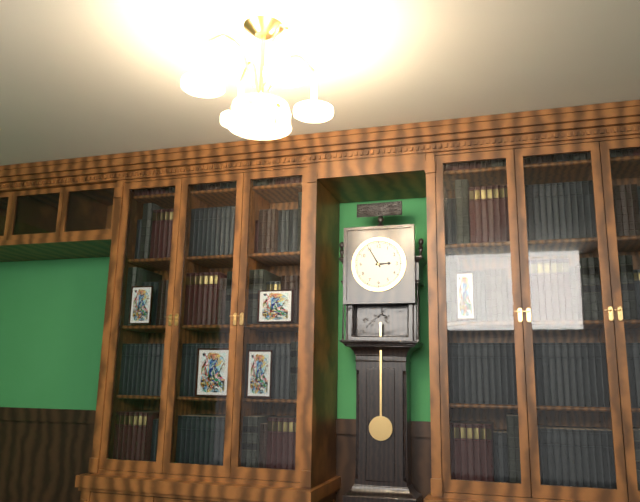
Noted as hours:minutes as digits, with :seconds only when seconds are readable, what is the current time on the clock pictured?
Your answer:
2:55
